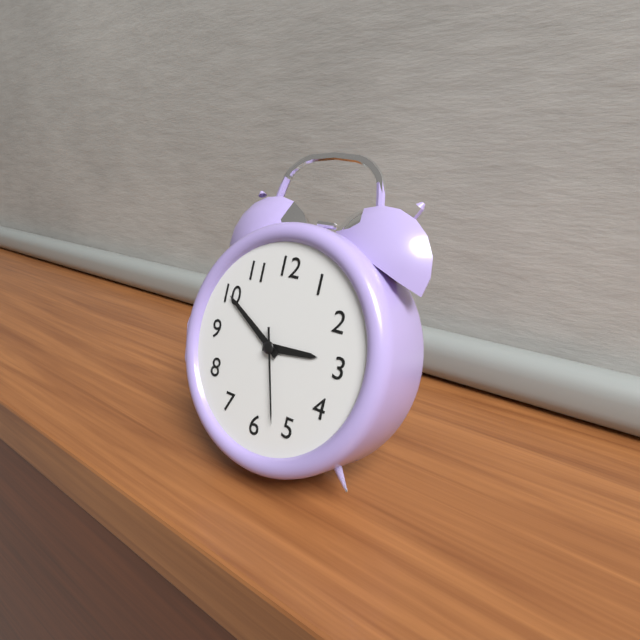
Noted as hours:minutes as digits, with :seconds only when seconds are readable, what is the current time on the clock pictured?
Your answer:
2:50:27
